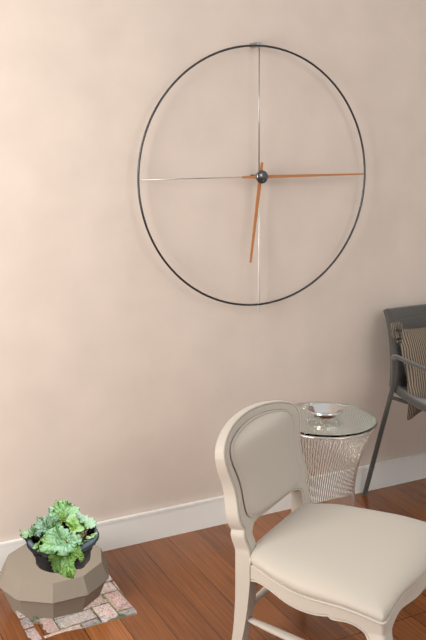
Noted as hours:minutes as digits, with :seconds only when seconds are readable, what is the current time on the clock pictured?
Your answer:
6:15
